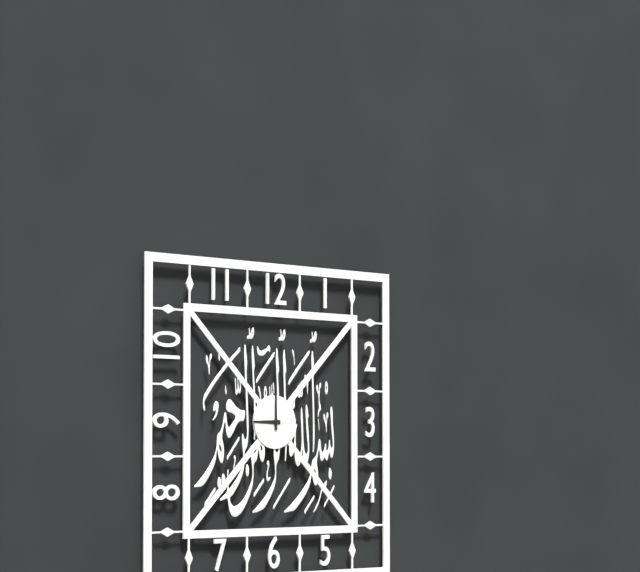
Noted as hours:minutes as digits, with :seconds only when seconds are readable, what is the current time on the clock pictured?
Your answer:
9:00
